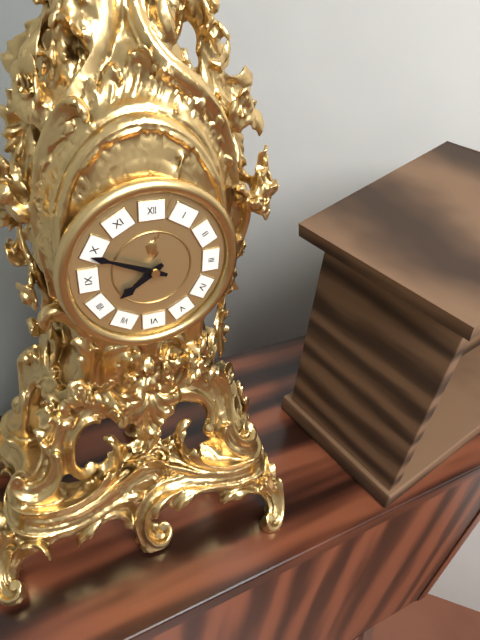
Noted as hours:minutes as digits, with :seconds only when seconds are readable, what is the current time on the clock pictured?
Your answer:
7:49
